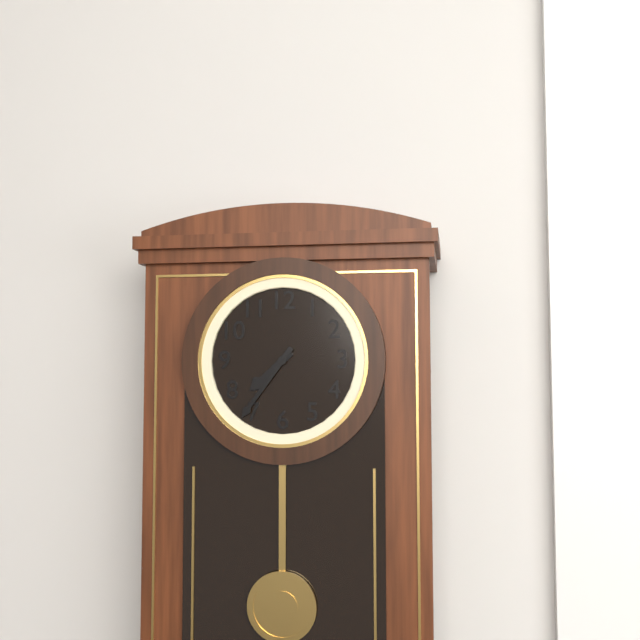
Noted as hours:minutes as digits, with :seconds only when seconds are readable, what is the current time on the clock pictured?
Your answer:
7:36
